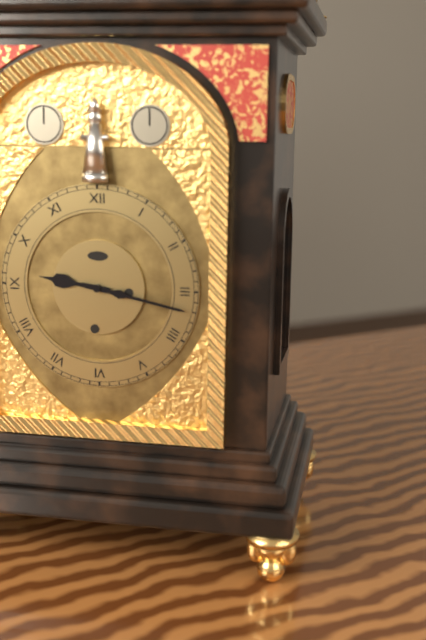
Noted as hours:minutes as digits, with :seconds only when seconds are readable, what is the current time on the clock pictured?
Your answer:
9:17
